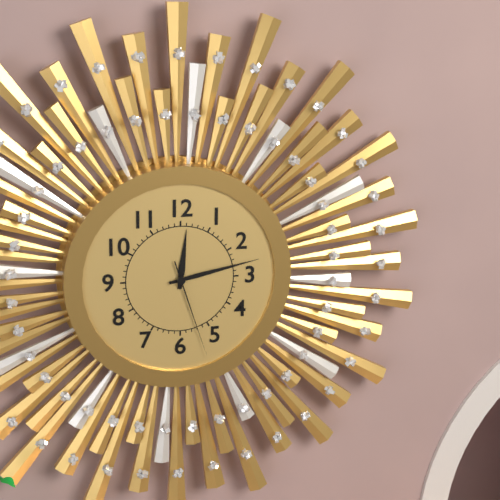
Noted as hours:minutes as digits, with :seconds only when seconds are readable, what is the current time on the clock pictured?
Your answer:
12:13:27
